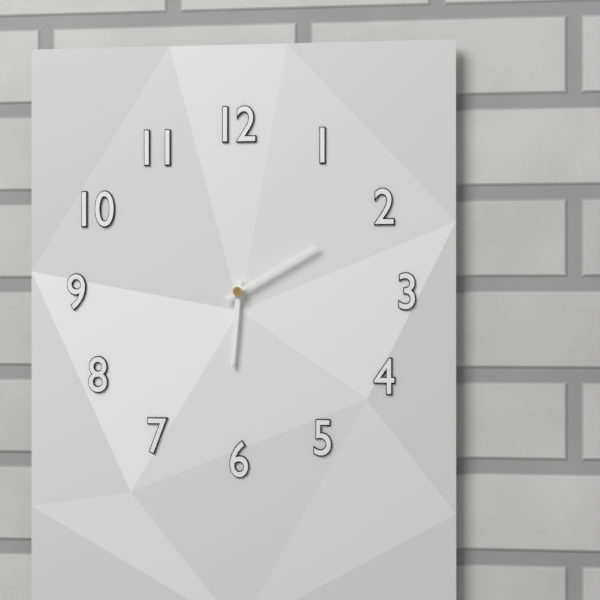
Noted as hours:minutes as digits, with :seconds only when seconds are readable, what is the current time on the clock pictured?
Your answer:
6:10
